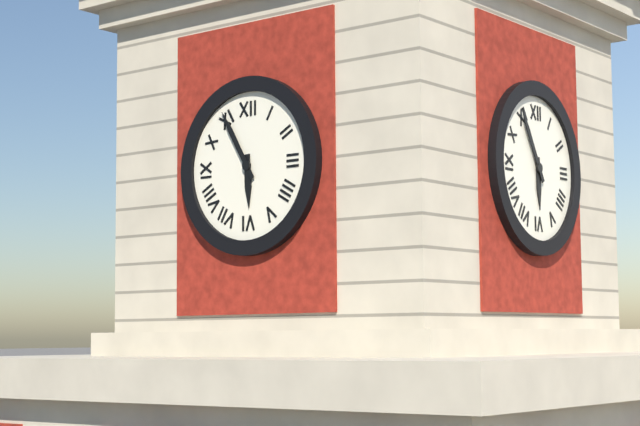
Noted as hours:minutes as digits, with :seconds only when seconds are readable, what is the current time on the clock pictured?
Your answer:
5:55
